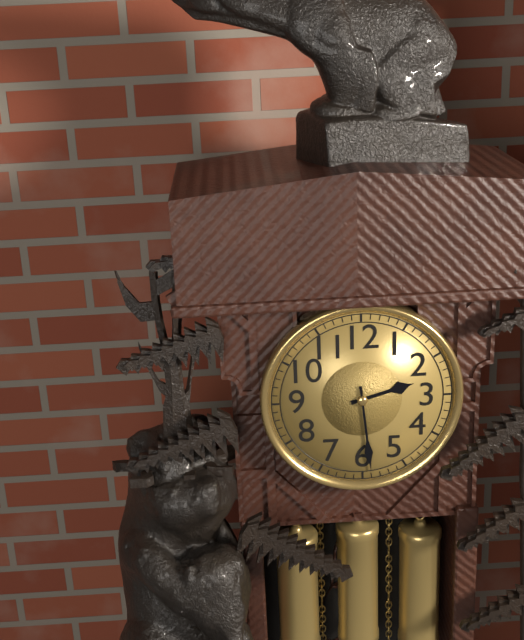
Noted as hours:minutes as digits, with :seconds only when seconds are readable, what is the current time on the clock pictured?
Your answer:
2:29
